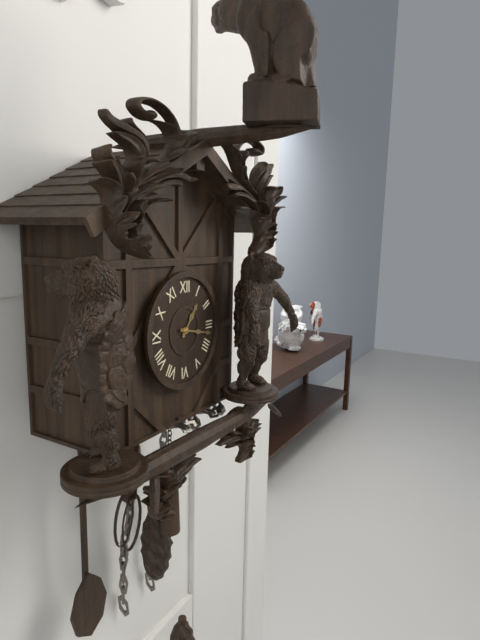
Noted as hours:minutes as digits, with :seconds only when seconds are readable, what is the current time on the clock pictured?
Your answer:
1:17
